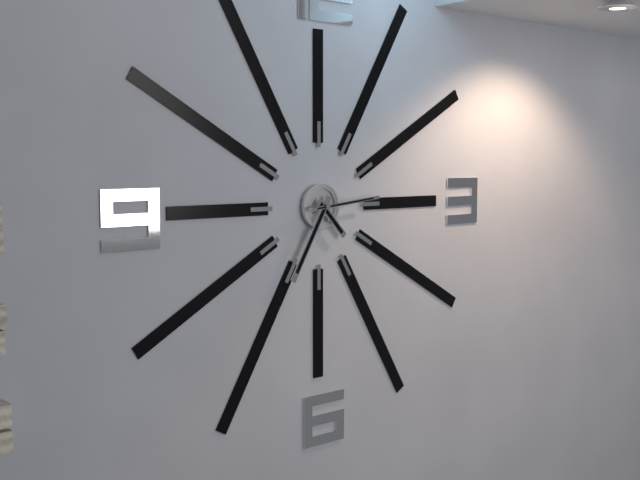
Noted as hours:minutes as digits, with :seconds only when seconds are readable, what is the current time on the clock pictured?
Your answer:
4:35:14
